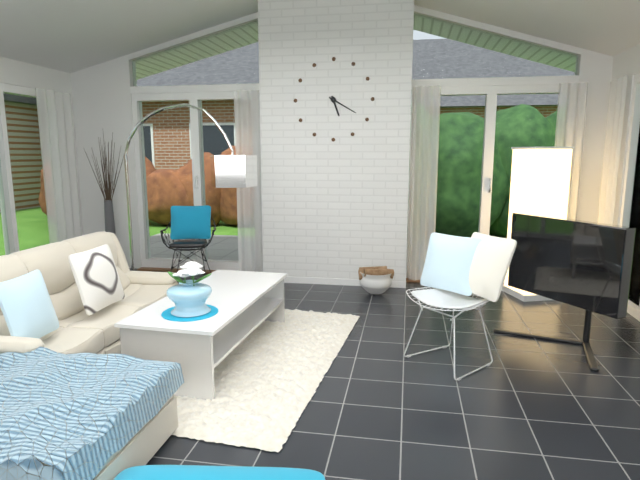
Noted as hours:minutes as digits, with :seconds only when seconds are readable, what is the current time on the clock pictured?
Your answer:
5:20
